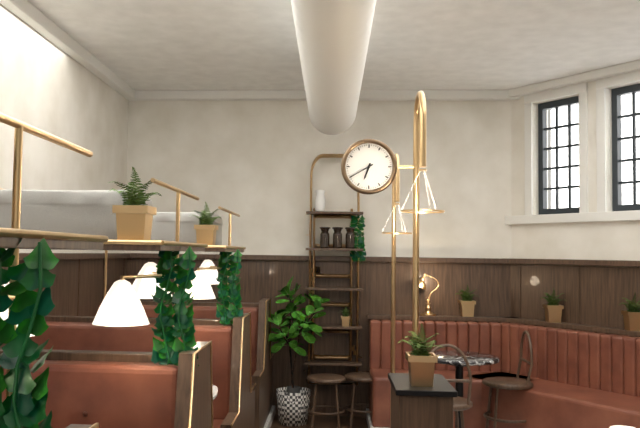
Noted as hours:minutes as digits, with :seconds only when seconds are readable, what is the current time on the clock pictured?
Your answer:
6:40
